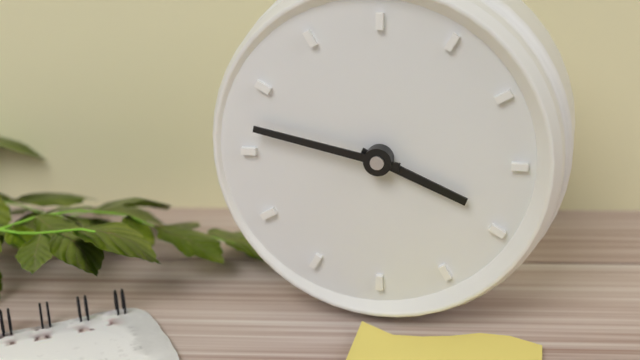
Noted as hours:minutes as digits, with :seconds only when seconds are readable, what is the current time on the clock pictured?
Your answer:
3:47
